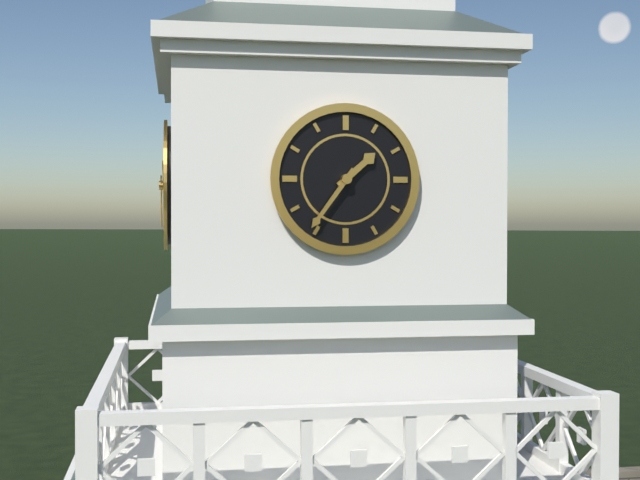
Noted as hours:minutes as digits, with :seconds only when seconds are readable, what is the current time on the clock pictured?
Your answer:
1:36
